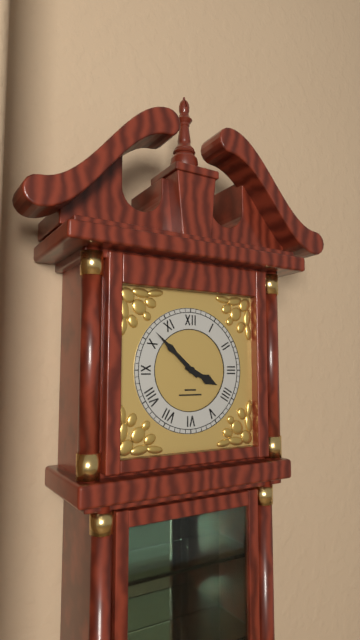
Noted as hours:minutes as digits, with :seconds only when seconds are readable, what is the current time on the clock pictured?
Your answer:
3:52
